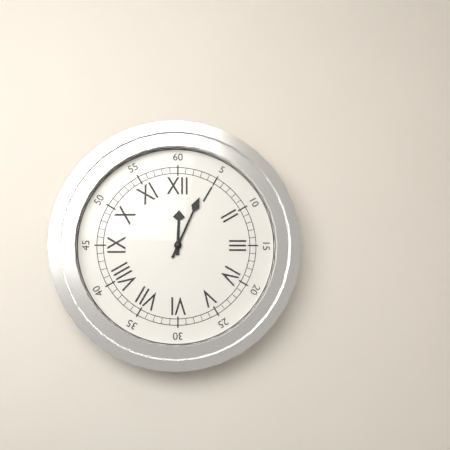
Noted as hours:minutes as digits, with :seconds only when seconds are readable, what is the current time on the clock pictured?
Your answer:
12:04
